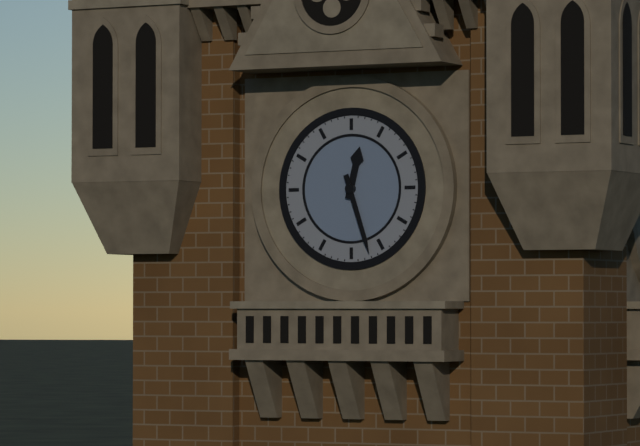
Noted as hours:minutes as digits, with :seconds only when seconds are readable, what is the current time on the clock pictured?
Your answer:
12:27
